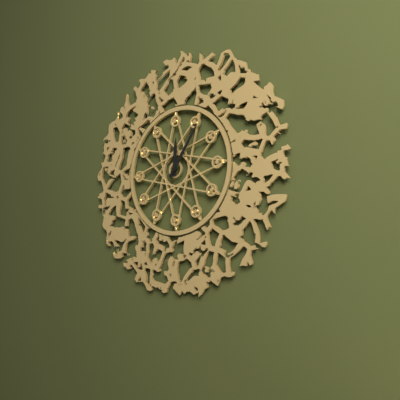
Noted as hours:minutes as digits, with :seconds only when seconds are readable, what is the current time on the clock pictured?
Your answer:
12:06
